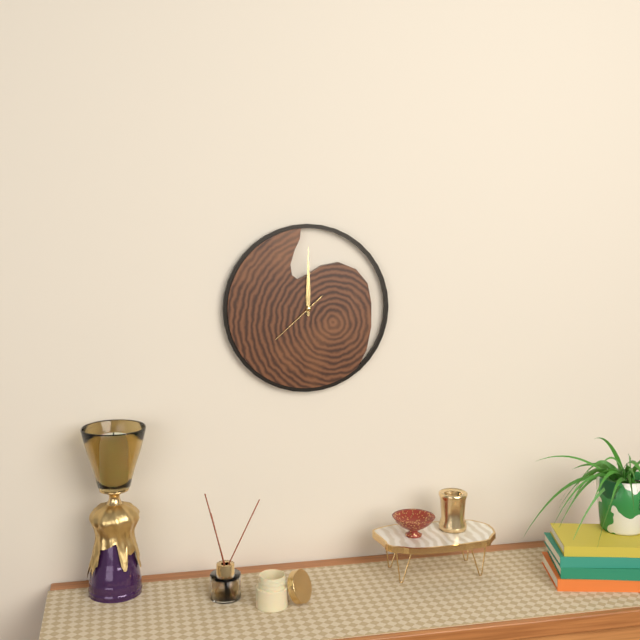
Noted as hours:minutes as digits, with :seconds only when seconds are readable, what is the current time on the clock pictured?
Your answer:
12:00:38
